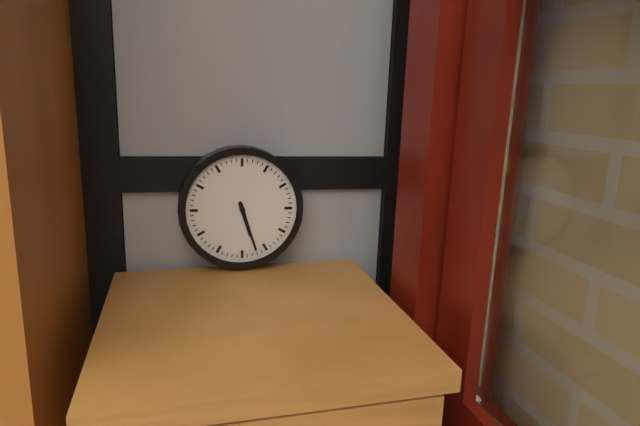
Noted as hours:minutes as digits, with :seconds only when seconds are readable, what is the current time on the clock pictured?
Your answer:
5:27
